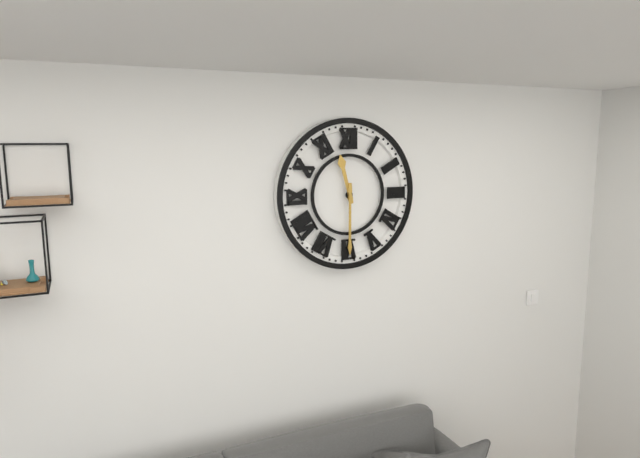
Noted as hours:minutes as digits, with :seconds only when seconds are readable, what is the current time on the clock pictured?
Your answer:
11:30
